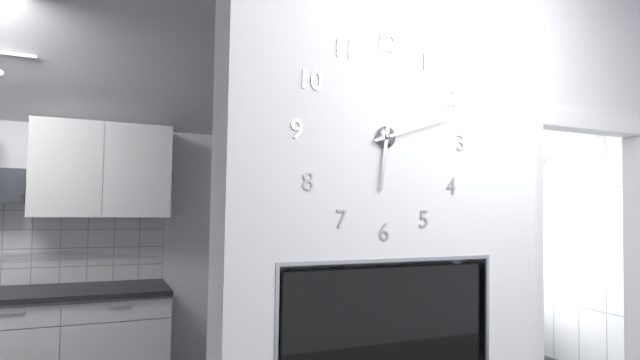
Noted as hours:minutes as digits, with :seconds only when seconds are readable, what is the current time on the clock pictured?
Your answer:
6:12
